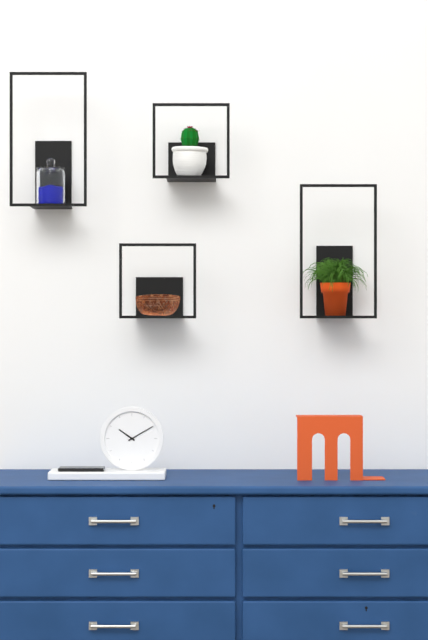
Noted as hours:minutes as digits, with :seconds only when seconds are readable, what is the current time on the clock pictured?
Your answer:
10:10
